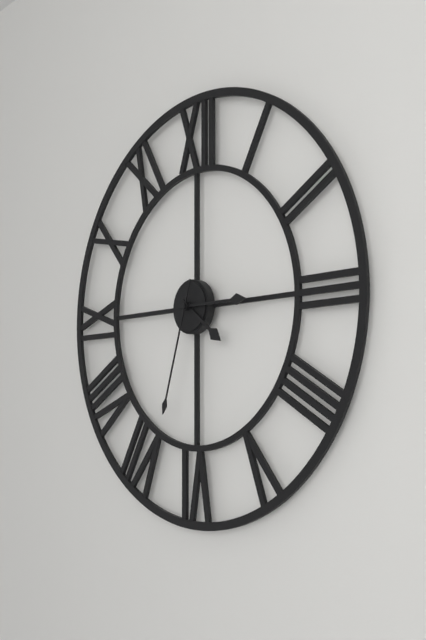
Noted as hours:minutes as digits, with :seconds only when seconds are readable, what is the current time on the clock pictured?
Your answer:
4:15:33
